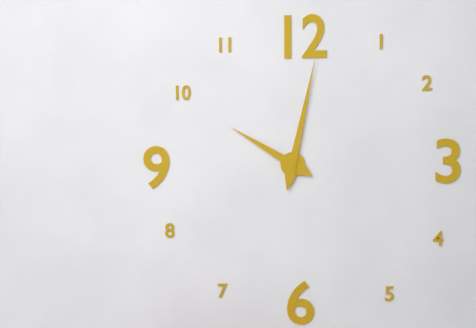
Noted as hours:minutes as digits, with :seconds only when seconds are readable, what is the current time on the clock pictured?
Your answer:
10:02
